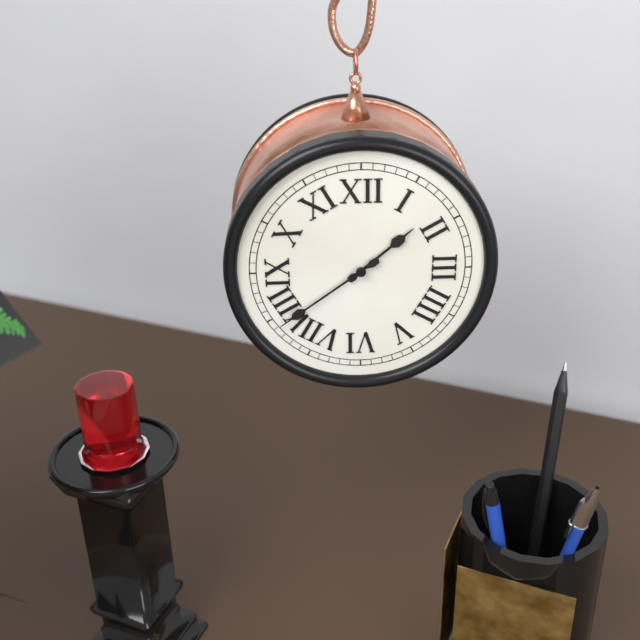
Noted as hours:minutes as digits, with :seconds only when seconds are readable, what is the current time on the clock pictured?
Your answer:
1:39
